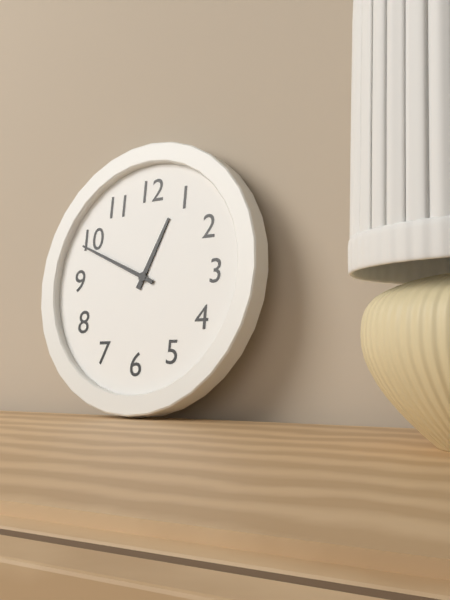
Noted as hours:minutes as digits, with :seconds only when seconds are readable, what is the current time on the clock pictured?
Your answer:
12:49
